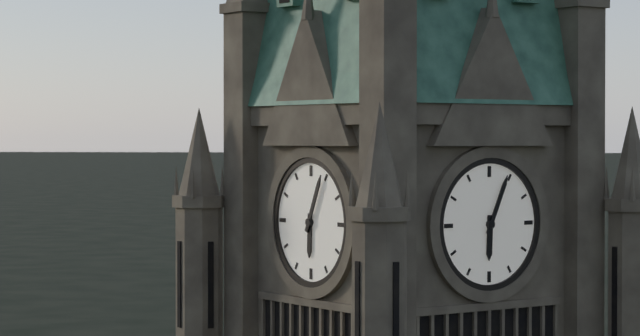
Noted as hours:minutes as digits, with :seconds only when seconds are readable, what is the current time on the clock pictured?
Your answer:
6:04
